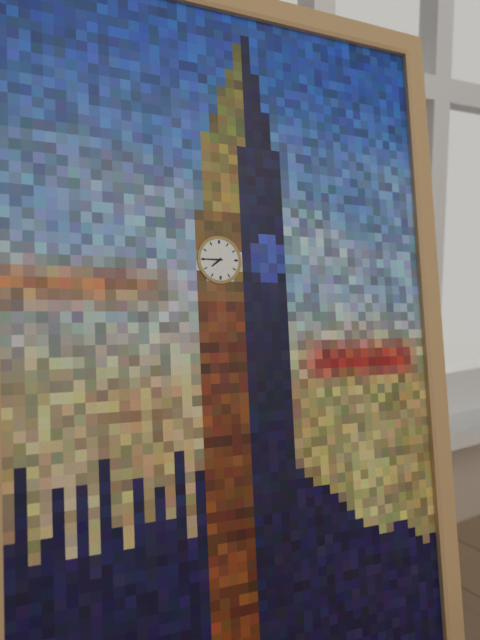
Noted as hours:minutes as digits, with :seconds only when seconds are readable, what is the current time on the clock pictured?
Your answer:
7:45
